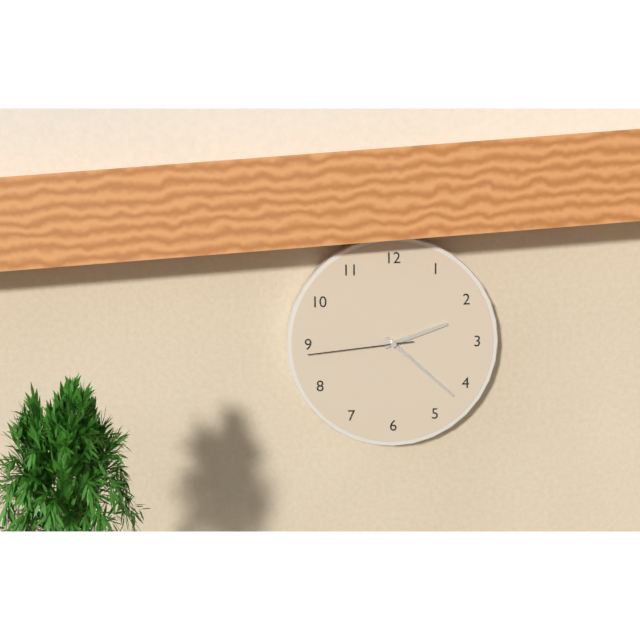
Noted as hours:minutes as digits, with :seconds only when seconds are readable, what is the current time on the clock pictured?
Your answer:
2:22:44
